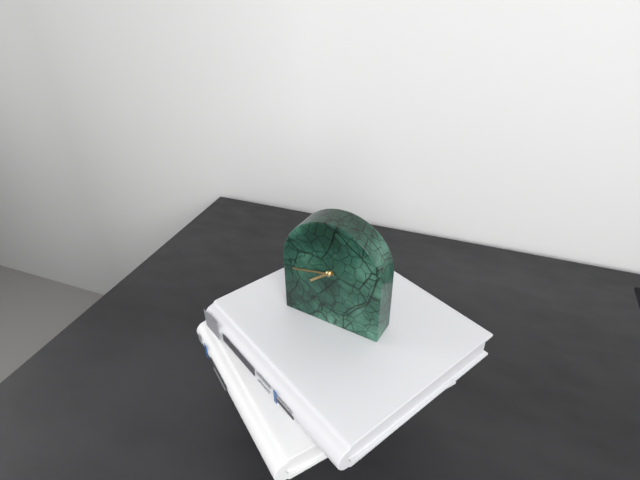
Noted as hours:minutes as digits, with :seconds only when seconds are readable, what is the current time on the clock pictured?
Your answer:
7:43
